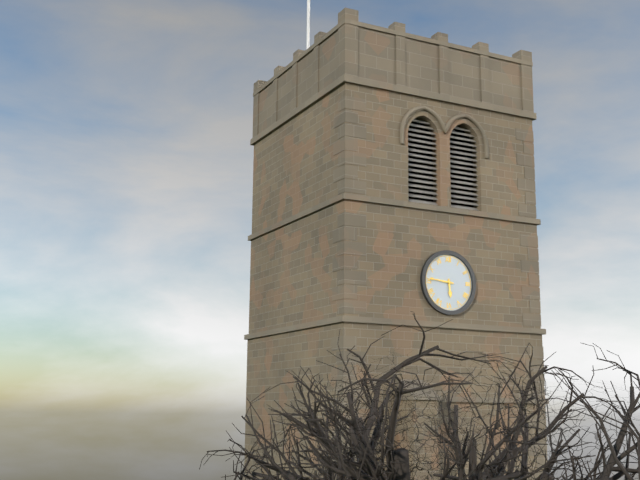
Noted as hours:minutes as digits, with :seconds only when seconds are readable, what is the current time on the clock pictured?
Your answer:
5:46
